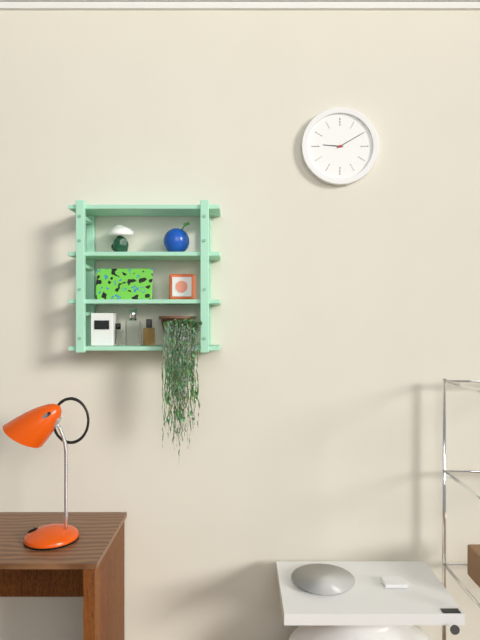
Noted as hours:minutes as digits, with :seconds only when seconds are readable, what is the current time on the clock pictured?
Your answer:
9:10
